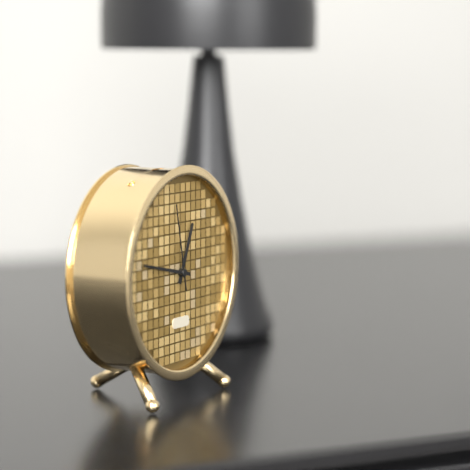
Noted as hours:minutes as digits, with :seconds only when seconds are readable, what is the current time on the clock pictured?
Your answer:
12:47:58
